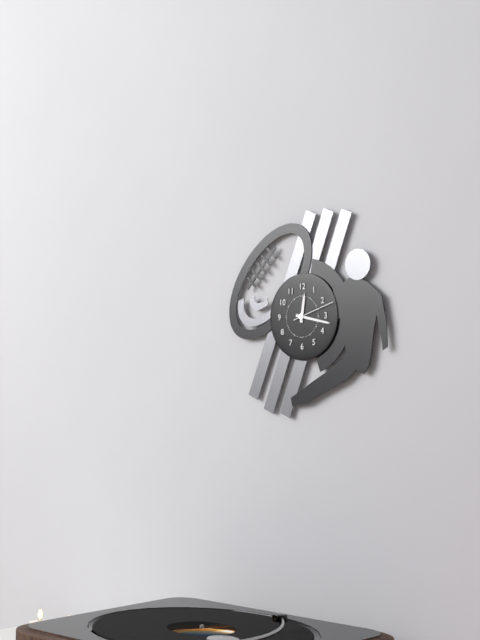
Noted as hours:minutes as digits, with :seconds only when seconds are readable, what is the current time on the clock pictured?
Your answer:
12:17
